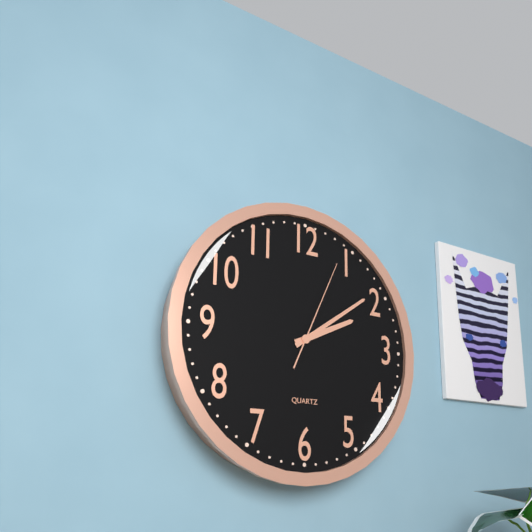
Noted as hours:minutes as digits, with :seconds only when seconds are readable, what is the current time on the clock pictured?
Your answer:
2:09:04
